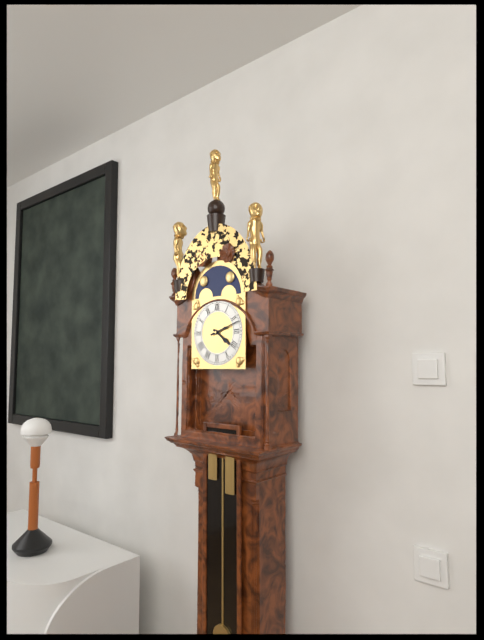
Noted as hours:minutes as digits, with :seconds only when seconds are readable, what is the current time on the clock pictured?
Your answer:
4:12
